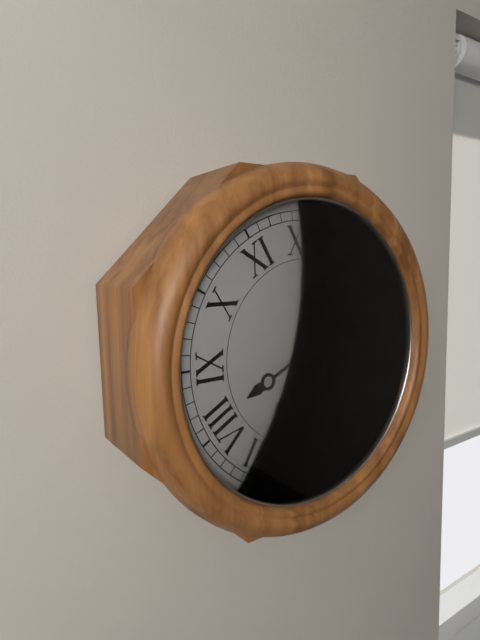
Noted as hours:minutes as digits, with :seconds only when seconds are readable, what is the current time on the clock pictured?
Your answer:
8:11
